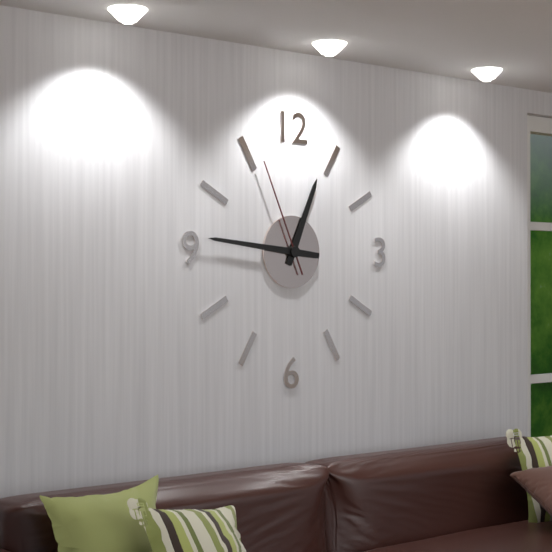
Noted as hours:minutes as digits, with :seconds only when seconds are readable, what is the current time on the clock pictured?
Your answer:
12:46:56
